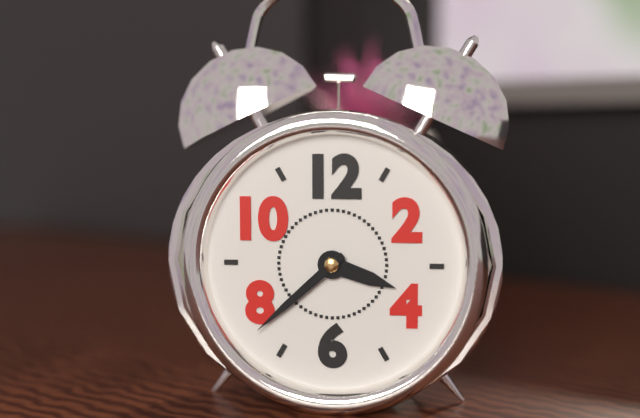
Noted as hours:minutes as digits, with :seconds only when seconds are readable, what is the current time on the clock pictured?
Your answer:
3:38
